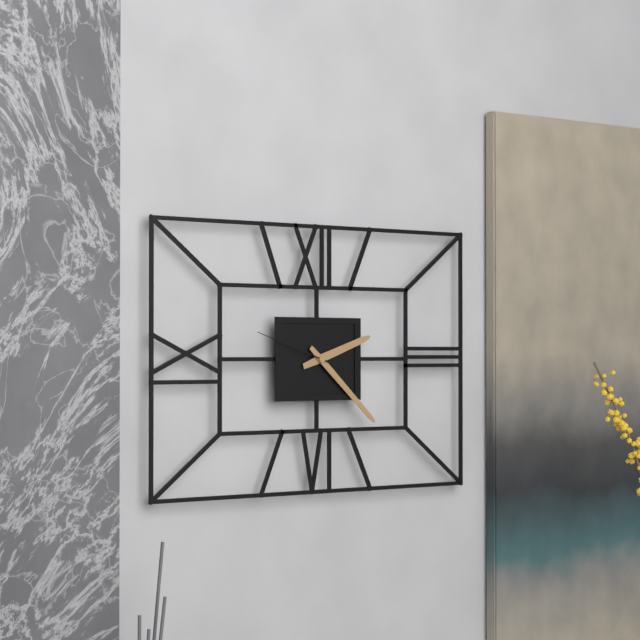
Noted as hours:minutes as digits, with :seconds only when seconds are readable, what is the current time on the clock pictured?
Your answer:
2:22:48
